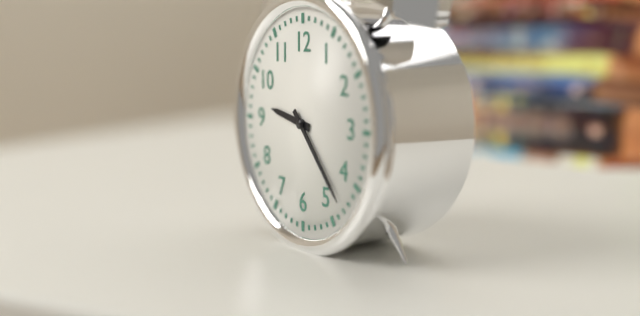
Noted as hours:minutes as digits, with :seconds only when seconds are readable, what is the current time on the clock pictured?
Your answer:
9:23
